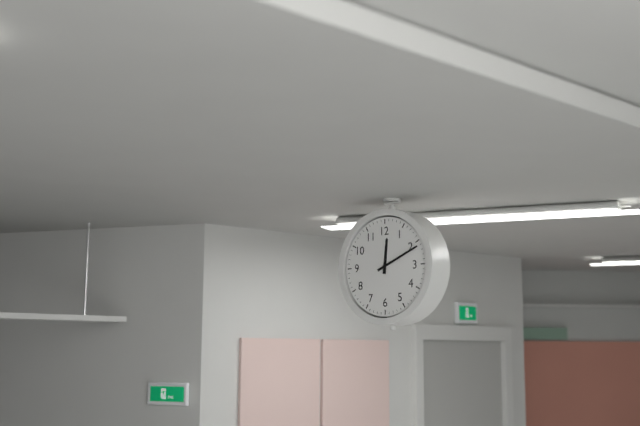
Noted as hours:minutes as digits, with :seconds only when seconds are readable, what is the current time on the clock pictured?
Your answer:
12:11
